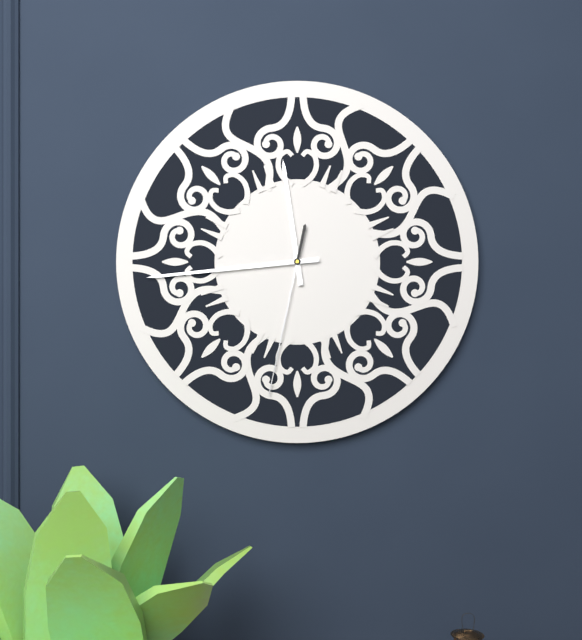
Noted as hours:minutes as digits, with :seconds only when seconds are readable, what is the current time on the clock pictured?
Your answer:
11:44:32
